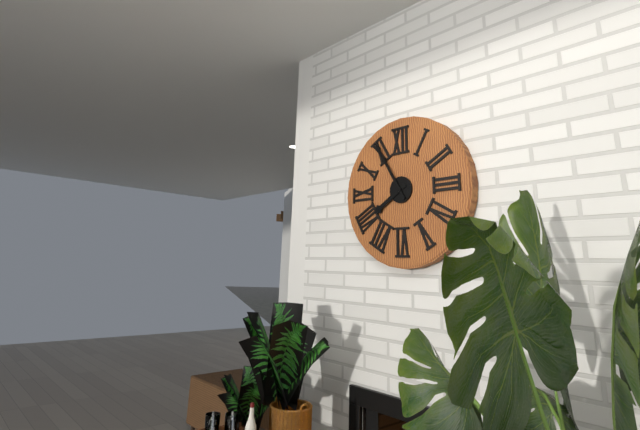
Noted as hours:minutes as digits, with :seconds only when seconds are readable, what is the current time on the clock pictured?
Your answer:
7:55
